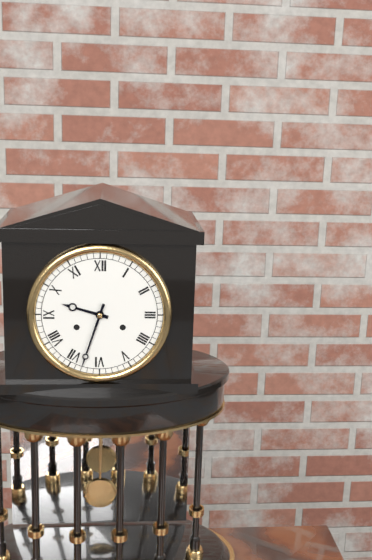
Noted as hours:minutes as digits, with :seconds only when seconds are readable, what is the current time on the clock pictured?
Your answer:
9:33
